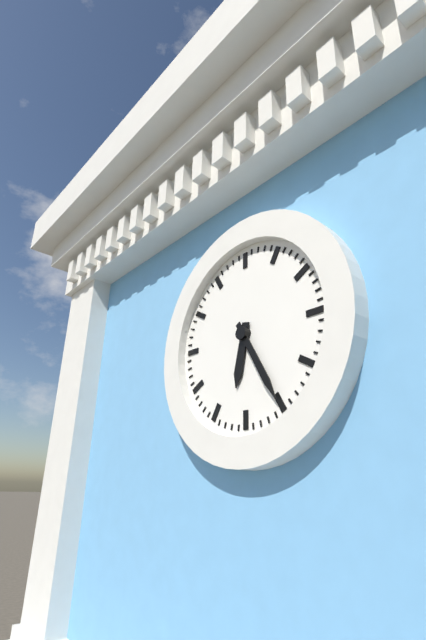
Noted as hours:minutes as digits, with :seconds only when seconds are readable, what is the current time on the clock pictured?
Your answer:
6:25
